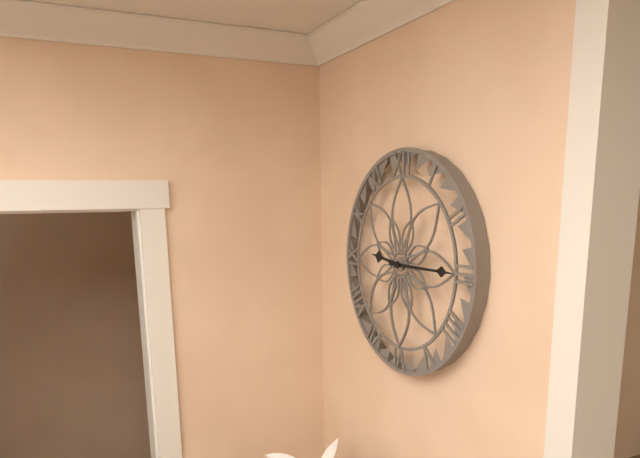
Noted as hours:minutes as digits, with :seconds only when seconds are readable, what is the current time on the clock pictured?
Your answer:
9:15
